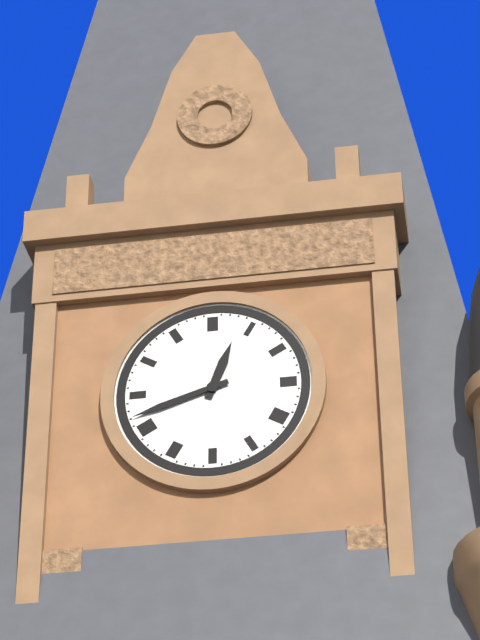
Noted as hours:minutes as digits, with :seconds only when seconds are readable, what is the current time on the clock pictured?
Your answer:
12:42
